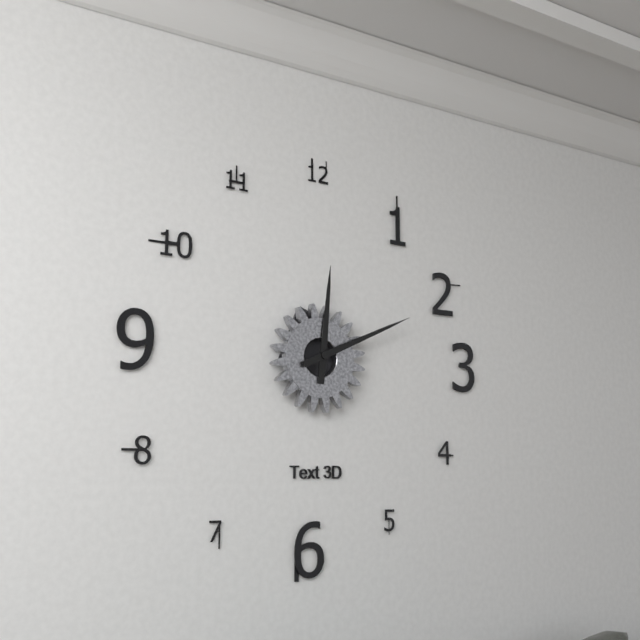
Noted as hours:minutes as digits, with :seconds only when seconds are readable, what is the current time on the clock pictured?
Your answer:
12:11
